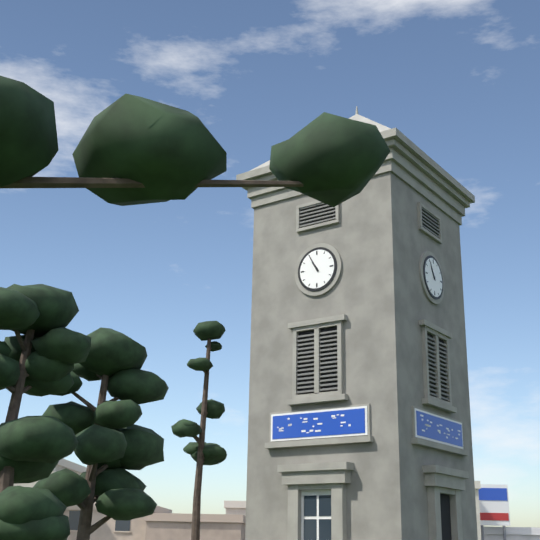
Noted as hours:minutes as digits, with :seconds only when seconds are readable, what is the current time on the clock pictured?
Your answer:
10:55
